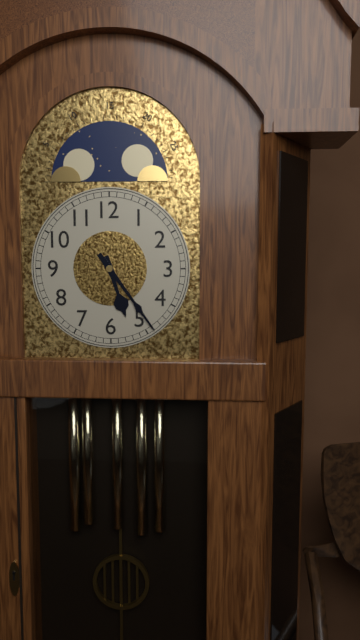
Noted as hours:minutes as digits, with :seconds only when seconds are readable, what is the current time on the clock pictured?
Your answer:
5:24
